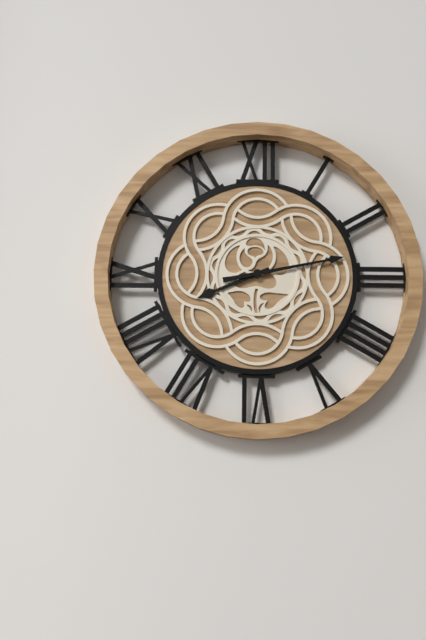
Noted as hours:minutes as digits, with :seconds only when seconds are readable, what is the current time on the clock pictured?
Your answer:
8:13
